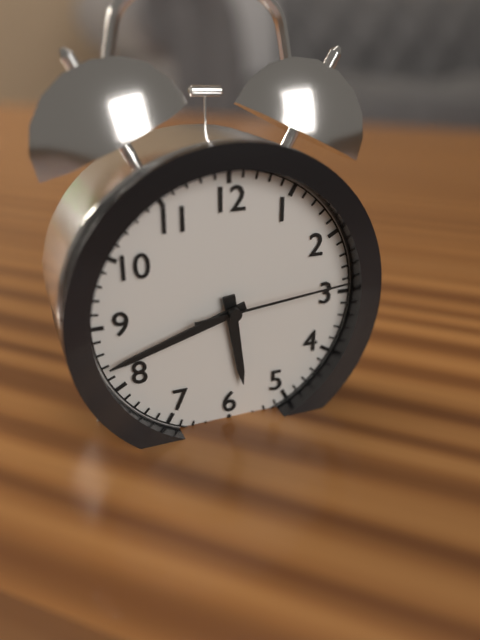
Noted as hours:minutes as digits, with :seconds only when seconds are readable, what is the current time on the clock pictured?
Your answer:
5:42:14
